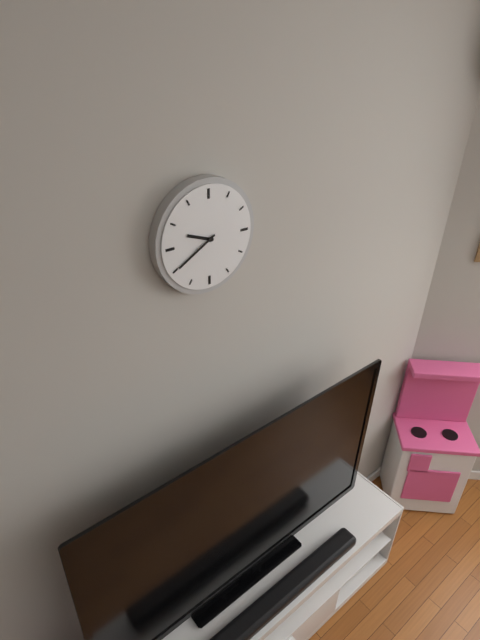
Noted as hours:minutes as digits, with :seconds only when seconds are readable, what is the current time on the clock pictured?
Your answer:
9:40
